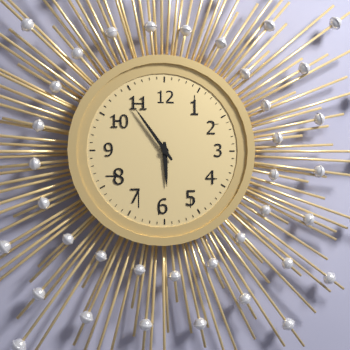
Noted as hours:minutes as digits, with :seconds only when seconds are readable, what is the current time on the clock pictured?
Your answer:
5:54
